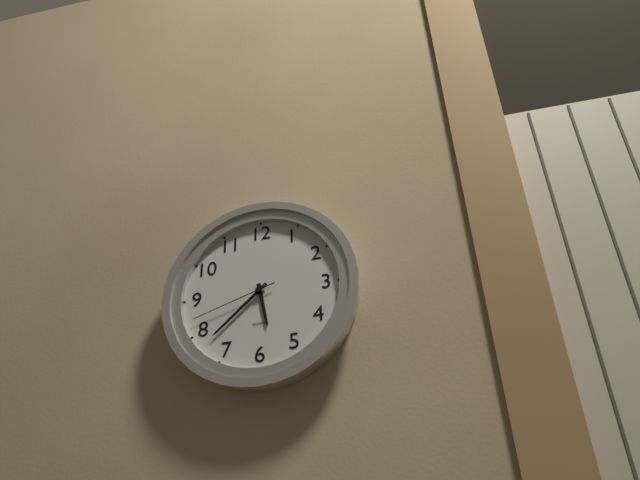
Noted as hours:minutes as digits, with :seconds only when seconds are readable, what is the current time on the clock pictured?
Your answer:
5:38:42
